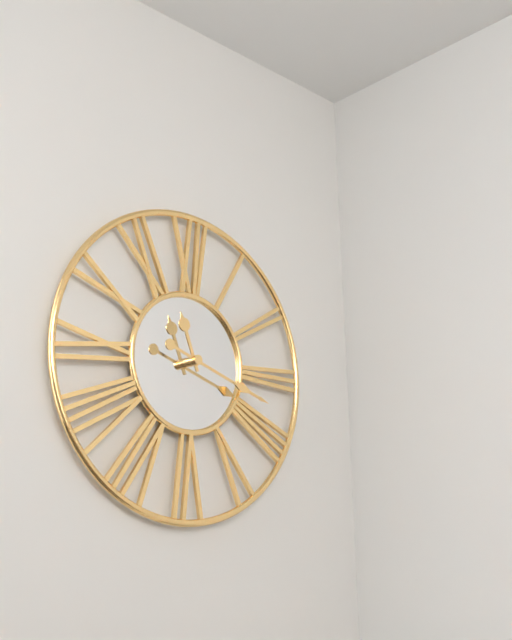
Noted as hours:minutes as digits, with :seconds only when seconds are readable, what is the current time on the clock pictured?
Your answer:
11:18
